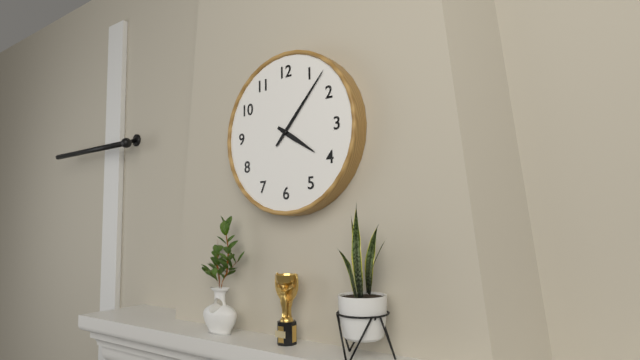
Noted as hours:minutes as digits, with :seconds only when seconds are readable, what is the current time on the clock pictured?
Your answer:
4:07
